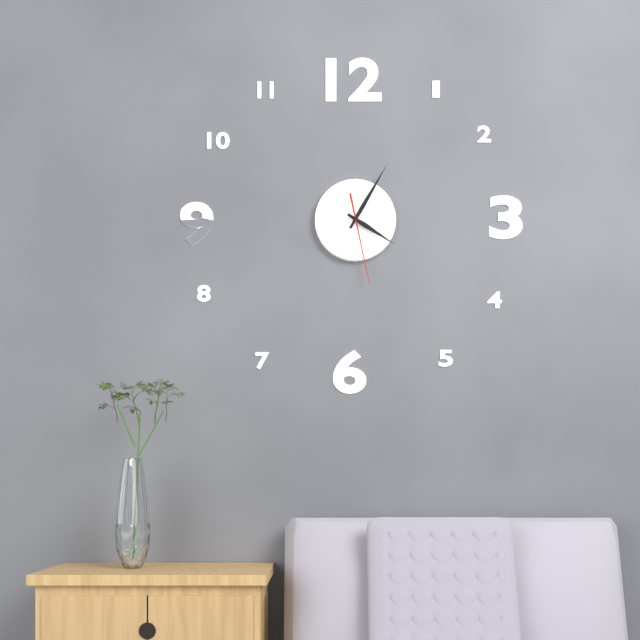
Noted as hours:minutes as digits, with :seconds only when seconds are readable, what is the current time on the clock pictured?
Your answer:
4:05:28
